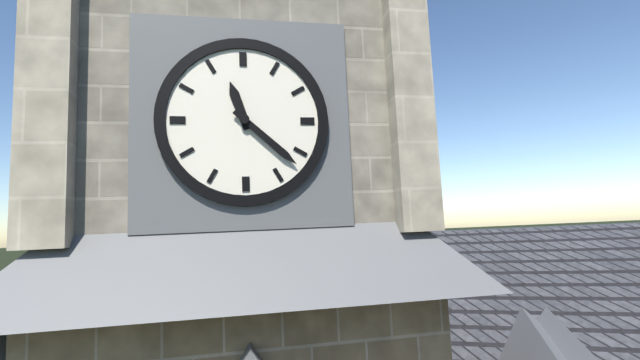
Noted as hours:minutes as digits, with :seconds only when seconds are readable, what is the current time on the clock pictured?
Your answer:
11:22
